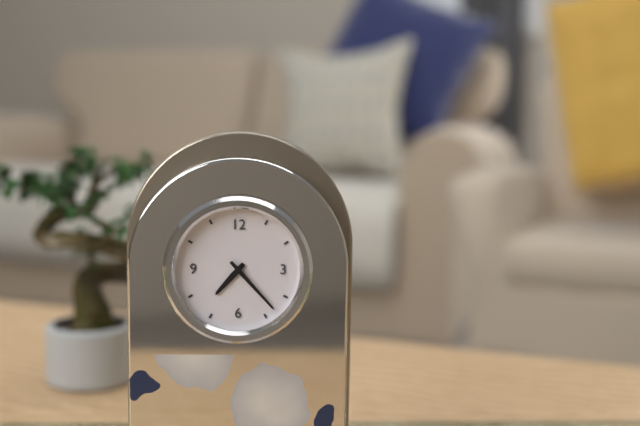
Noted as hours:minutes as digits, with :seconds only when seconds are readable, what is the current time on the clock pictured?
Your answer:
7:23
